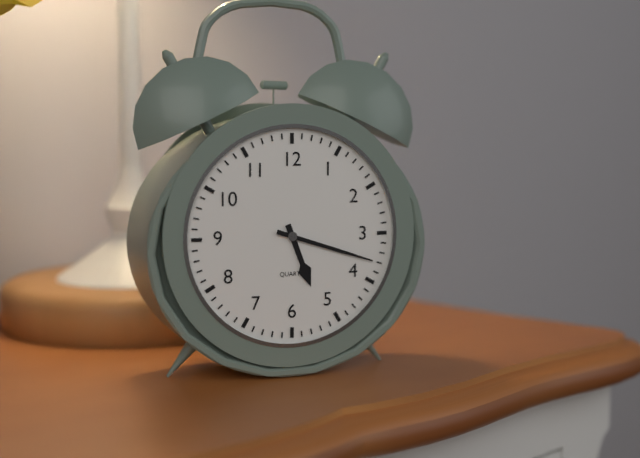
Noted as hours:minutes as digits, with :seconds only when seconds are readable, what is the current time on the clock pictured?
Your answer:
5:18
